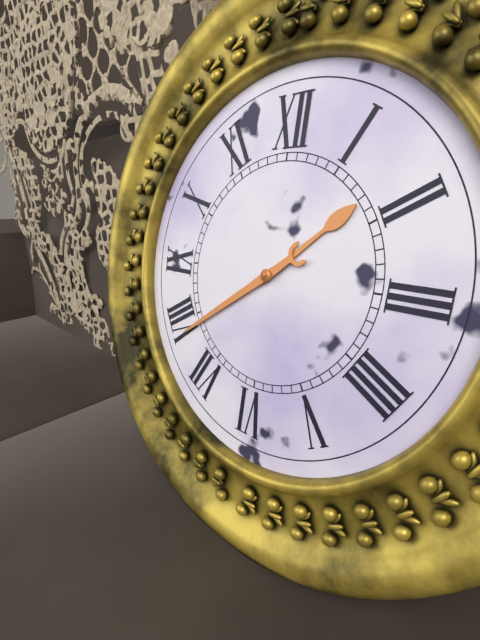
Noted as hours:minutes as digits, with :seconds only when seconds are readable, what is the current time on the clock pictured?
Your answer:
1:39
